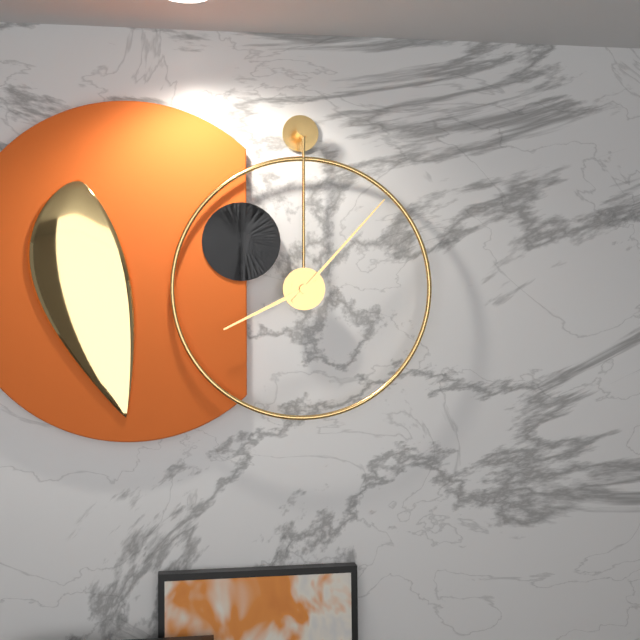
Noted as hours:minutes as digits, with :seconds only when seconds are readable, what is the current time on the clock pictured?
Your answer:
8:07
